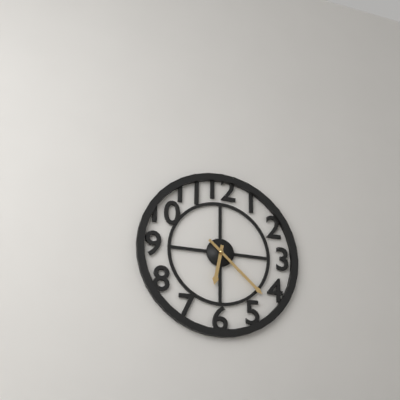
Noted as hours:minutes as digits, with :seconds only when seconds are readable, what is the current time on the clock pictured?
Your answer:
6:22
